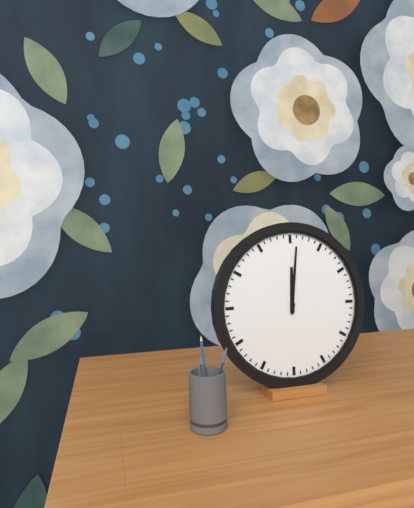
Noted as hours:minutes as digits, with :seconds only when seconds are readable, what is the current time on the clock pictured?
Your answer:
12:01
